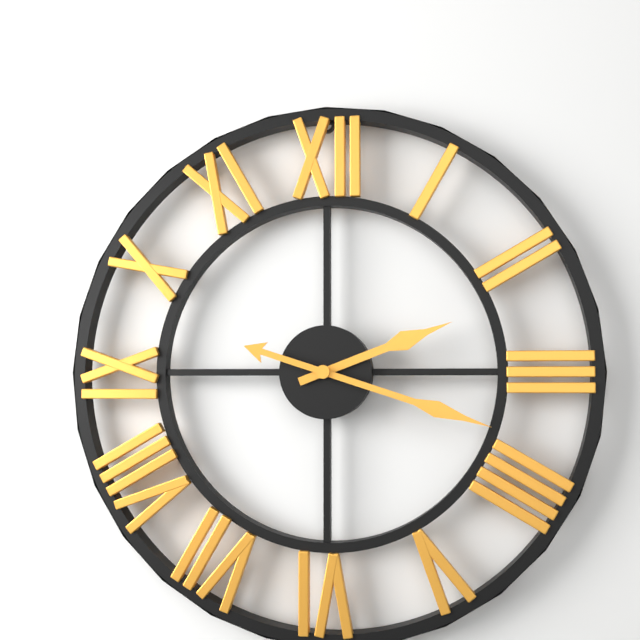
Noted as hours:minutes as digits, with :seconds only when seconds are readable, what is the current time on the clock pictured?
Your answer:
2:18
